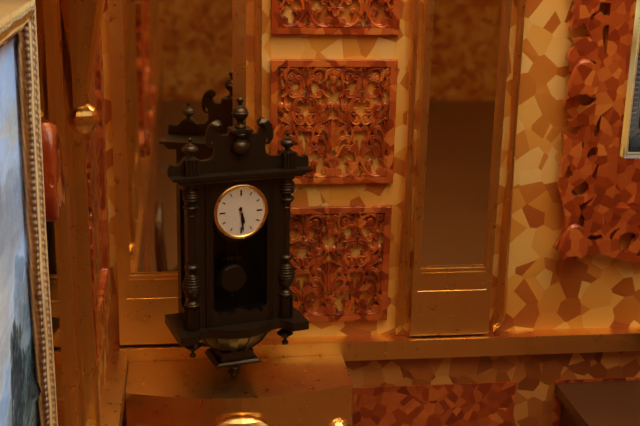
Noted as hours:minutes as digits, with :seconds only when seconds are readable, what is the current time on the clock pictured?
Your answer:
5:29
